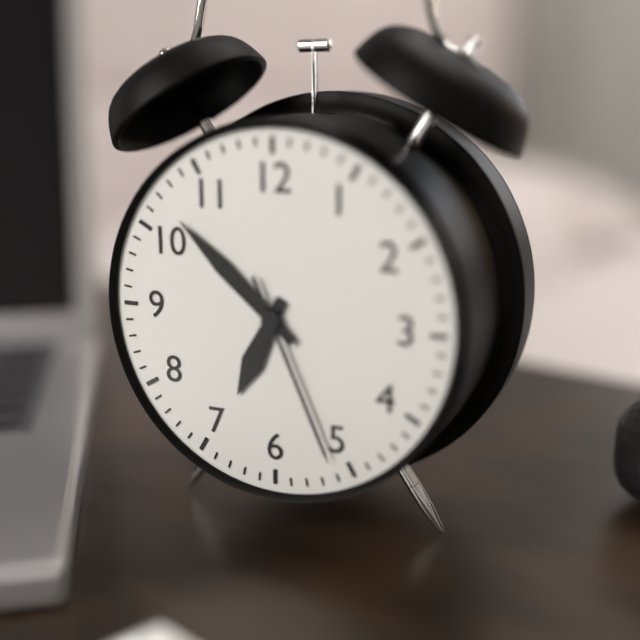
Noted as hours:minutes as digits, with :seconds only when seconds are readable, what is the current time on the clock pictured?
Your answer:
6:52:26
